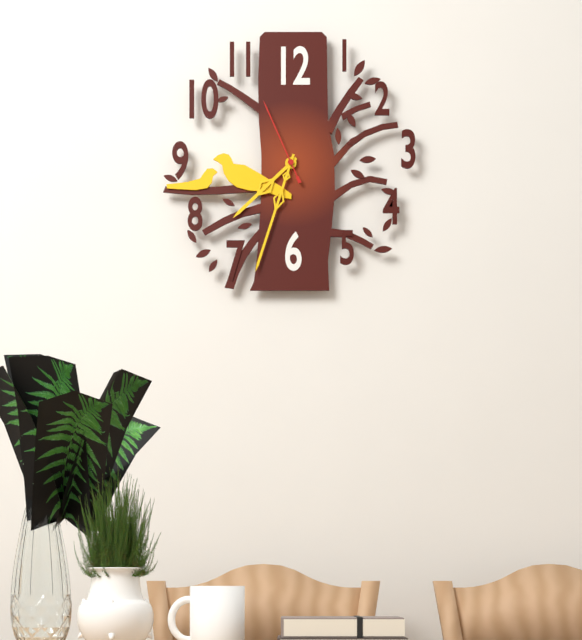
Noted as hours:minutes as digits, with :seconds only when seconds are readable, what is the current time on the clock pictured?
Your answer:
7:33:56
